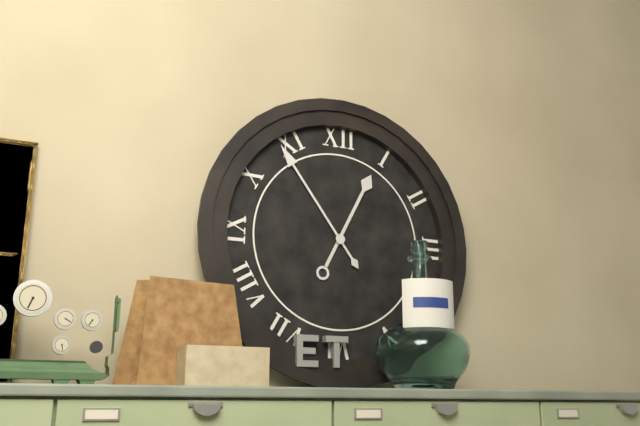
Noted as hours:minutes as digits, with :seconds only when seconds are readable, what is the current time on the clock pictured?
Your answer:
12:54
